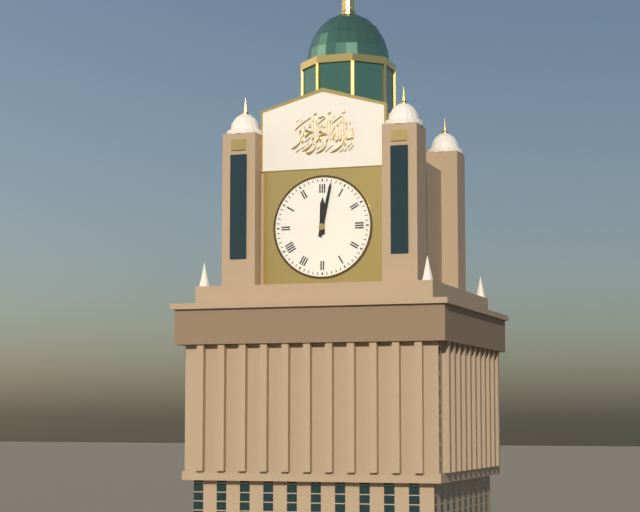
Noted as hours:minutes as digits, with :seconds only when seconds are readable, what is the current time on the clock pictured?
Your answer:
12:02
